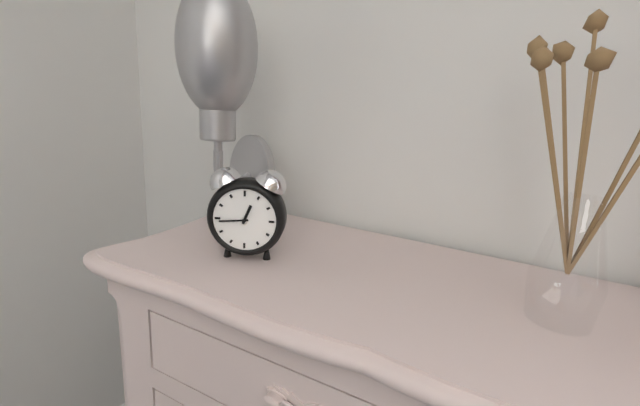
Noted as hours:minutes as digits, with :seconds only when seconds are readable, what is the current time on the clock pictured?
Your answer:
12:44
